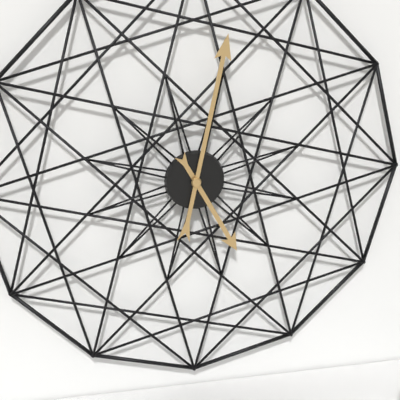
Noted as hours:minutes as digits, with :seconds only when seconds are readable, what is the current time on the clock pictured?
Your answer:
5:02
